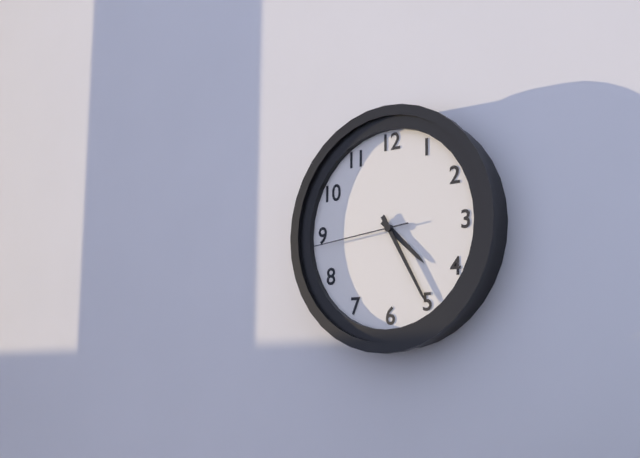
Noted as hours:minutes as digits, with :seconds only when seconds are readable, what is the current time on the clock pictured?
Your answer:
4:25:44
